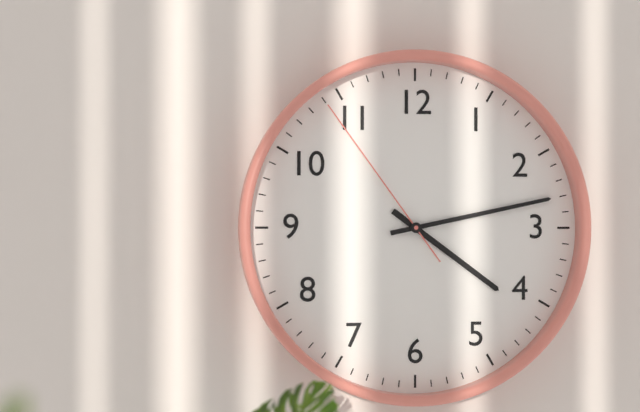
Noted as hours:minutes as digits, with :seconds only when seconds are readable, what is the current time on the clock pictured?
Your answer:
4:13:54
